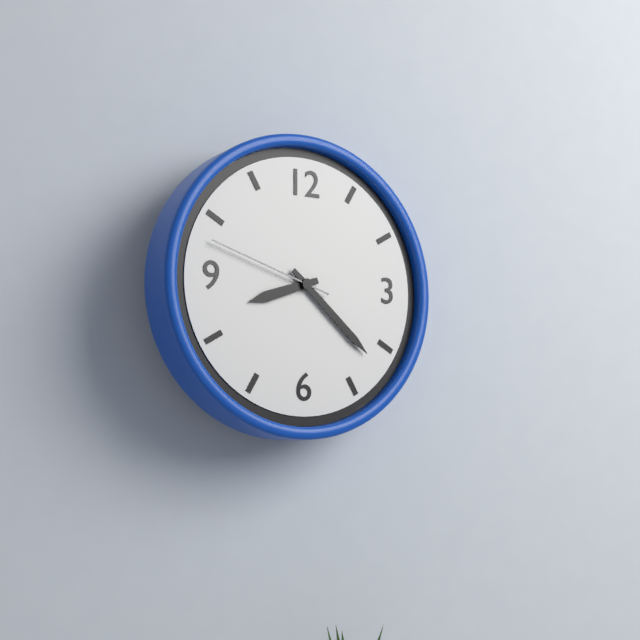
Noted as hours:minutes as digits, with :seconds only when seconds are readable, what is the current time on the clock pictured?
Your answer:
8:22:48
